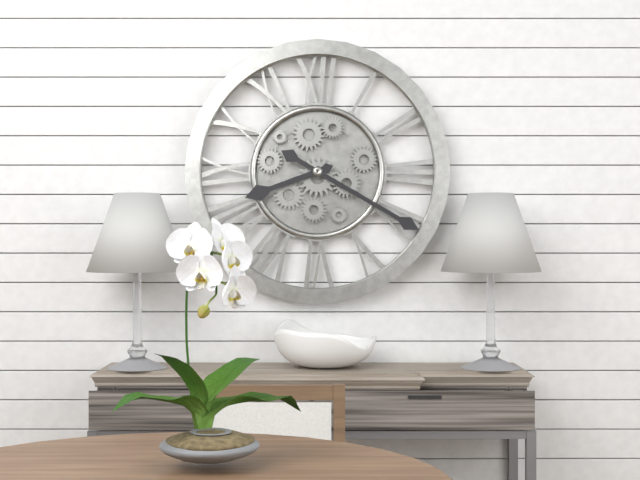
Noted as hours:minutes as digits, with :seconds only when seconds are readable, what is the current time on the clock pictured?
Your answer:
8:20
